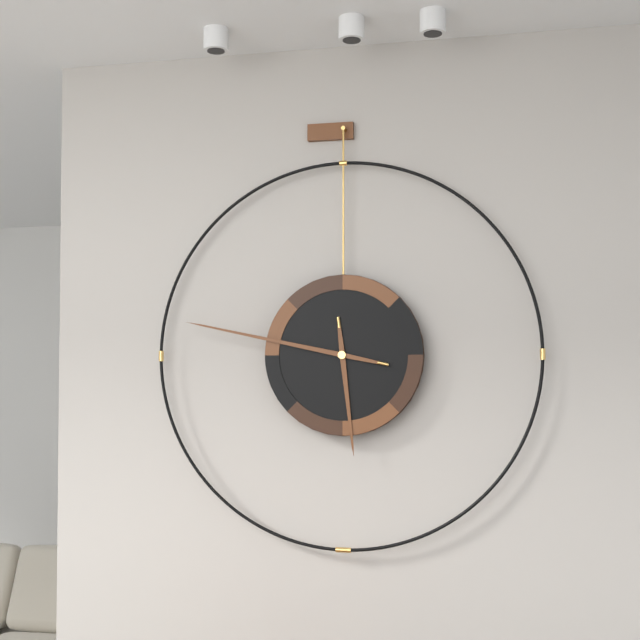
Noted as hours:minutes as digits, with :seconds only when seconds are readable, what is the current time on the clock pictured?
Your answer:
5:47
